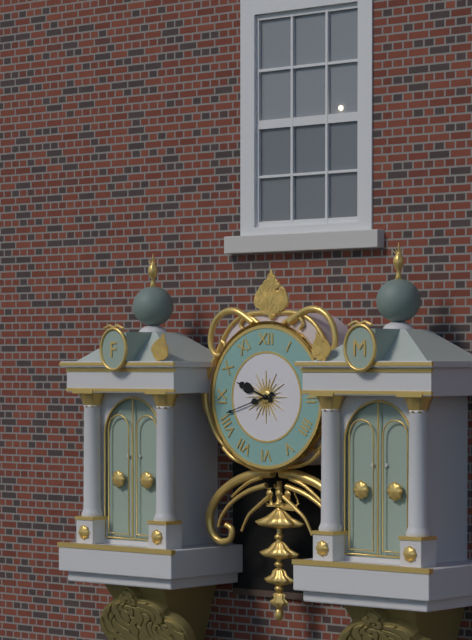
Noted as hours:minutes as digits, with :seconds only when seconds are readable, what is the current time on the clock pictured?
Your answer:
9:42
